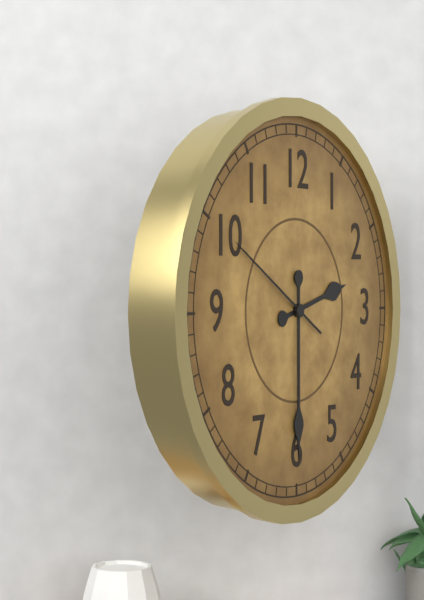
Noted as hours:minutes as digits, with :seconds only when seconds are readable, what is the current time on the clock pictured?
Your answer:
2:30:50
